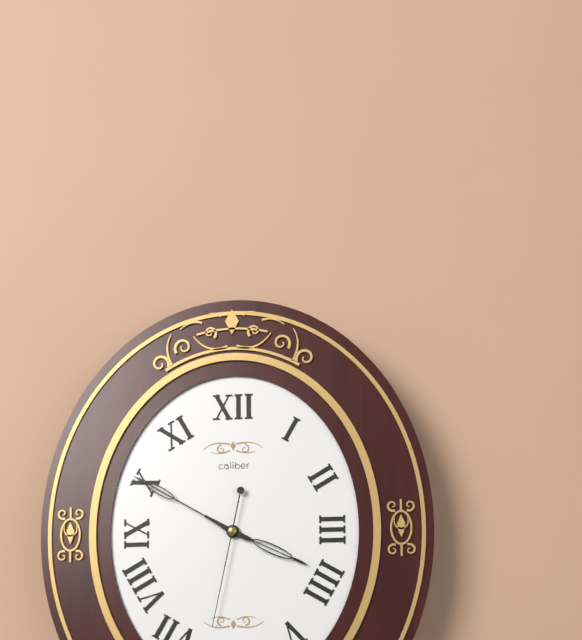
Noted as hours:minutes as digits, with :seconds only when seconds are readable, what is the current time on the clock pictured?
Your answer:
3:50:32
